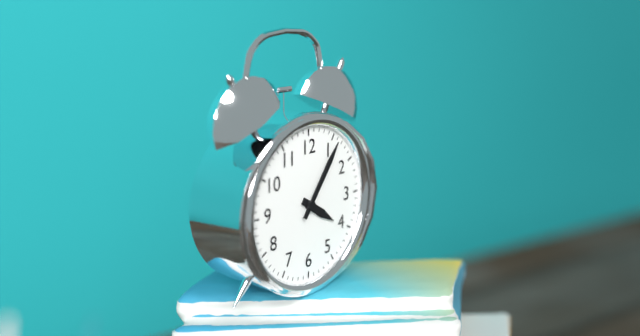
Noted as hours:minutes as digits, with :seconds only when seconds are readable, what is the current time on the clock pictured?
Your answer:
4:06
